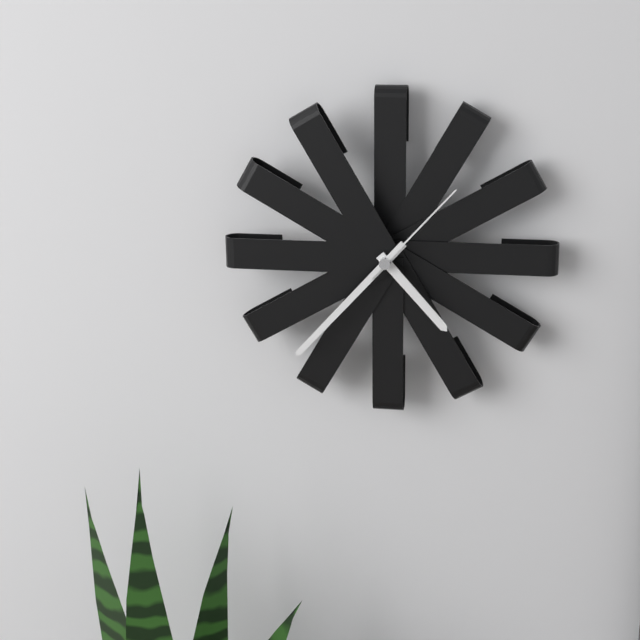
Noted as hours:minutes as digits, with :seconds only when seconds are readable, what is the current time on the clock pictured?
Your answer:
4:37:07
